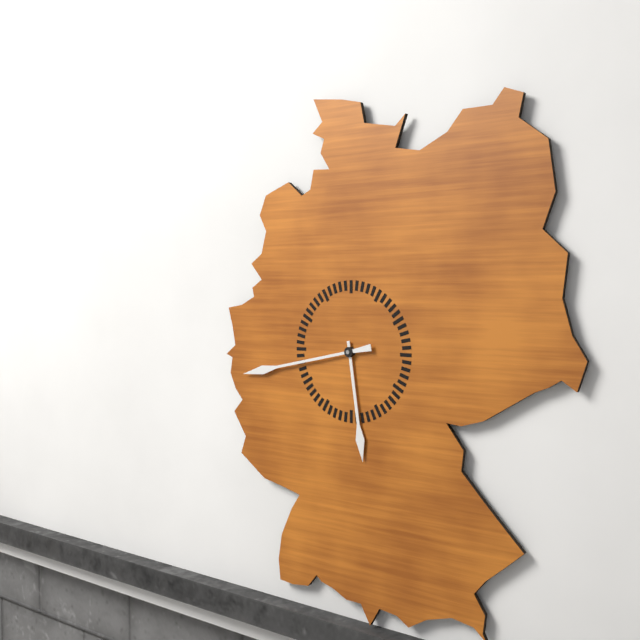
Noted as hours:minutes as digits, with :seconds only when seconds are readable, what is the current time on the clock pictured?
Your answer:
5:43
